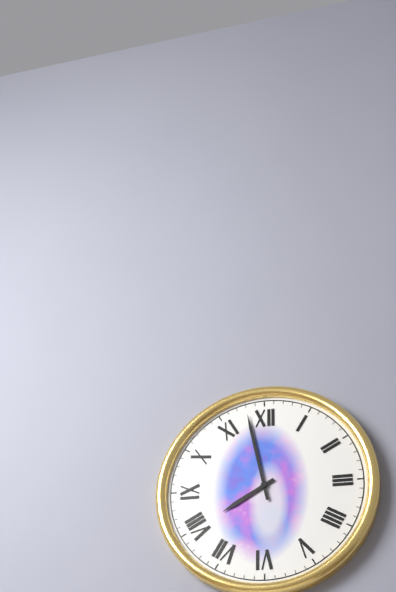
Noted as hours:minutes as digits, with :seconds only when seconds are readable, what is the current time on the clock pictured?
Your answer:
7:58
